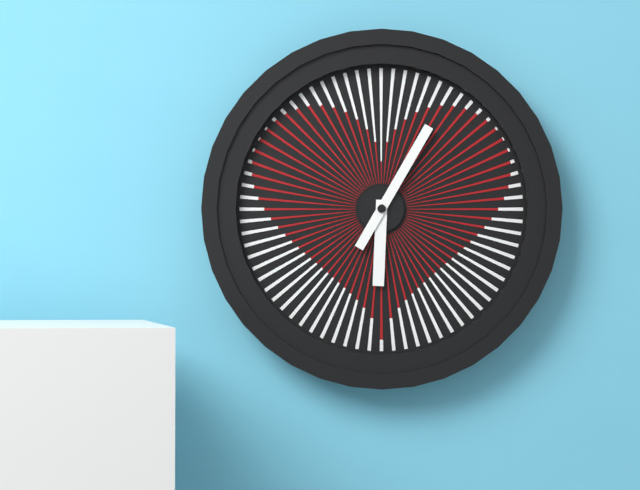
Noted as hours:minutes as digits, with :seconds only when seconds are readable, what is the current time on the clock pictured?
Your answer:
6:05
